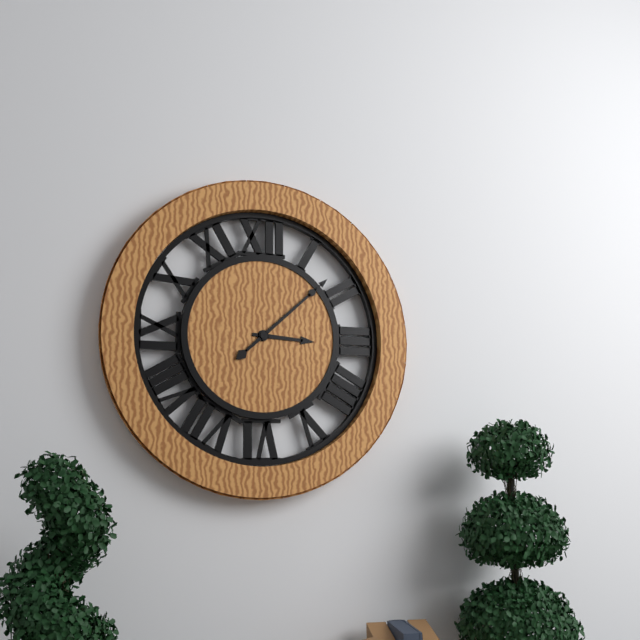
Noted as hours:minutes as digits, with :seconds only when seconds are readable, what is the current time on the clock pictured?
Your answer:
3:08
